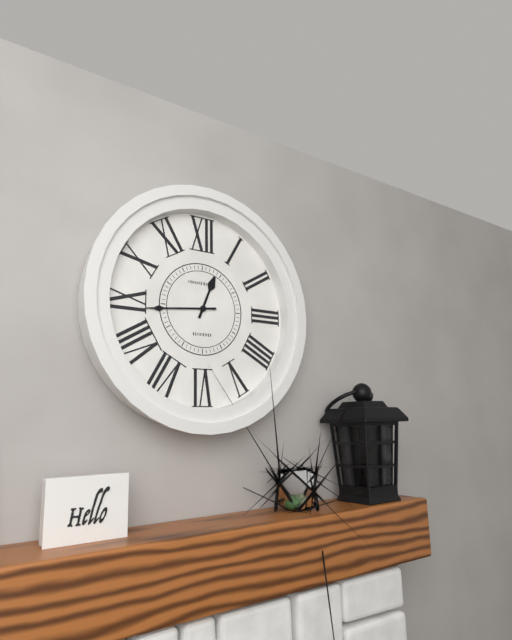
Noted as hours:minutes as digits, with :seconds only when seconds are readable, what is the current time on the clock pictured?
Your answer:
12:44
